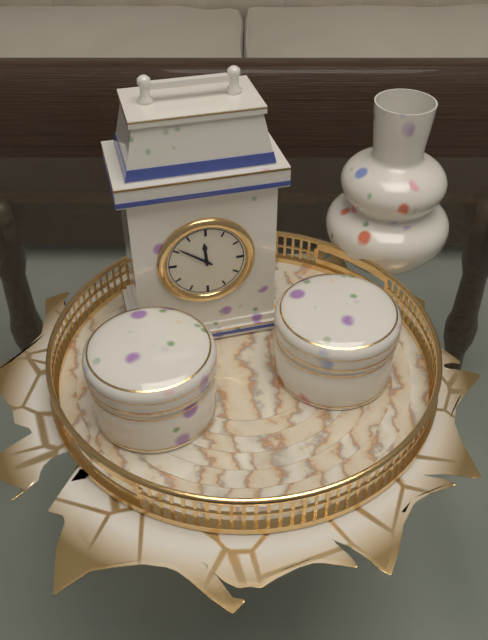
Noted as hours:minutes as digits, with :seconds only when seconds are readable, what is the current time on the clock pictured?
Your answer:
11:51
